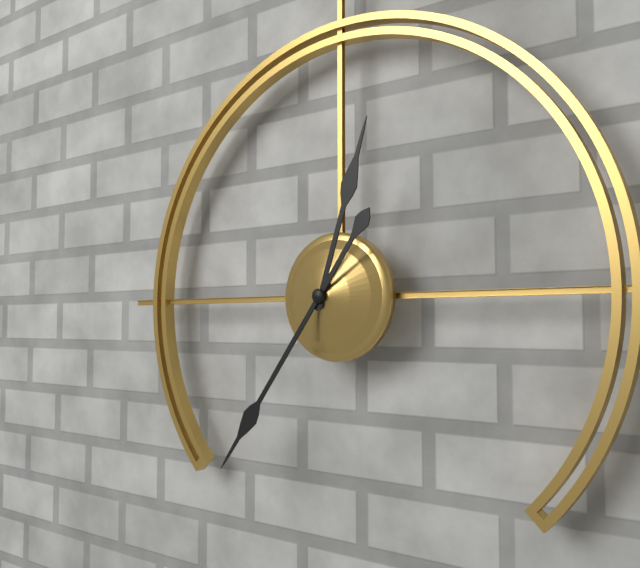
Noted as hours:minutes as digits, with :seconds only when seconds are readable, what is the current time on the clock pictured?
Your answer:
12:36
